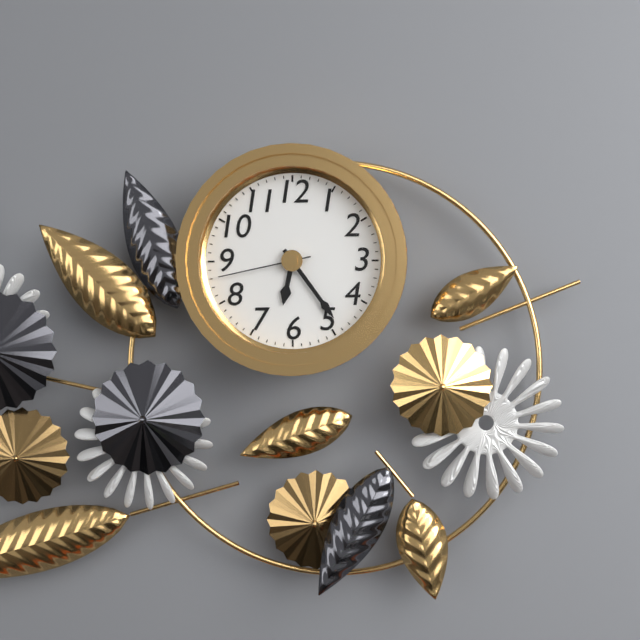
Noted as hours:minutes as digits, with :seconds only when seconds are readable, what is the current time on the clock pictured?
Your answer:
6:24:43
